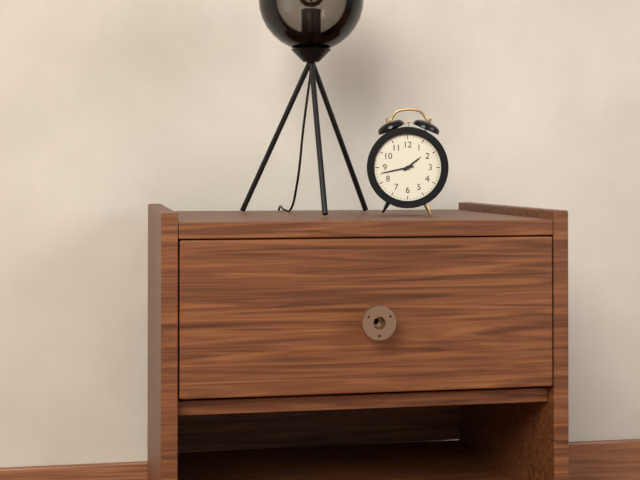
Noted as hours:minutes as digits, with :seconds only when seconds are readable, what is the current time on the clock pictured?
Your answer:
1:43
